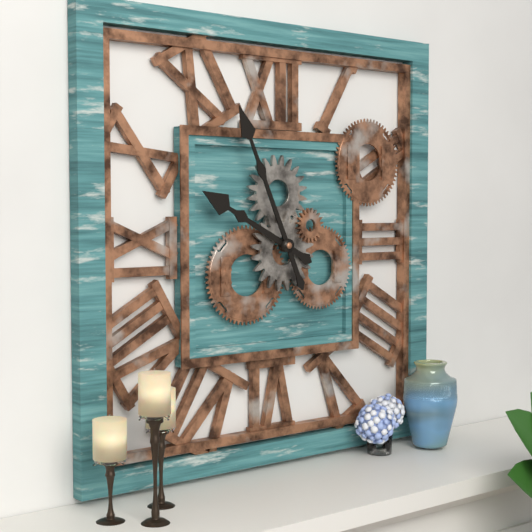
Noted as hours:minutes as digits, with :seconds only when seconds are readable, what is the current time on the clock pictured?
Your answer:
9:56
